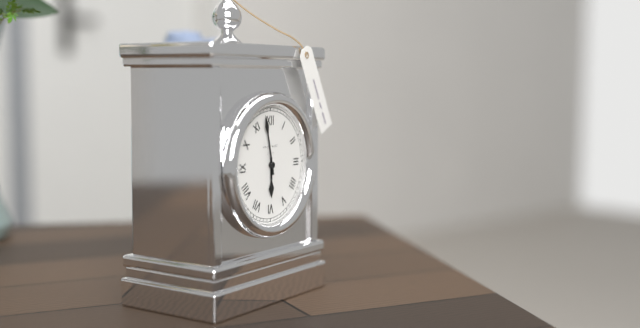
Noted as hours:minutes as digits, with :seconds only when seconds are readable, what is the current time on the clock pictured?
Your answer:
5:58
